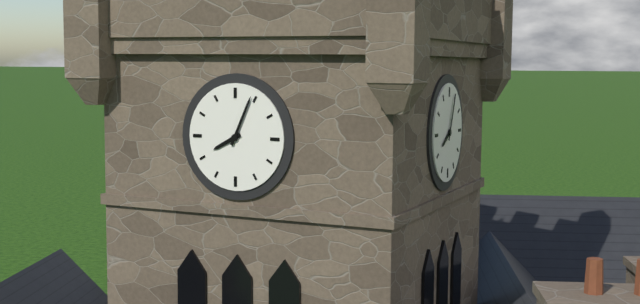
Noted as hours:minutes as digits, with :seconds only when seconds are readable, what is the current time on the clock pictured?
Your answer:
8:04
